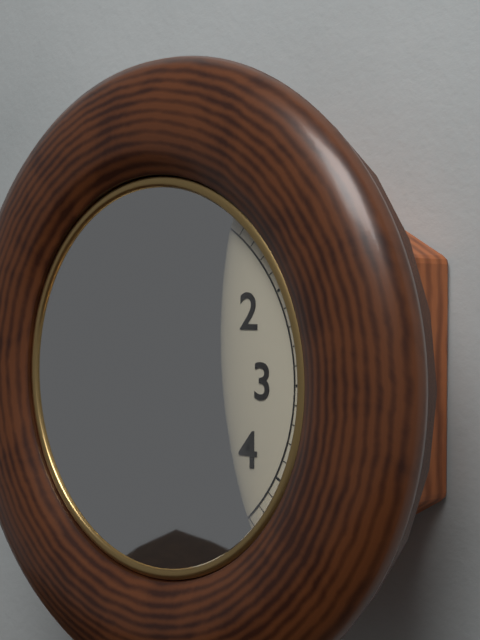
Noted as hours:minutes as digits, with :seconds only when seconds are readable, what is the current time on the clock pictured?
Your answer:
12:24
